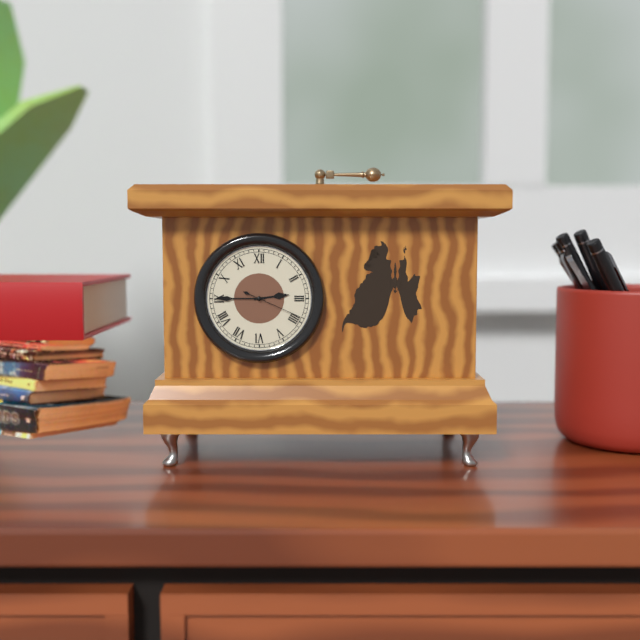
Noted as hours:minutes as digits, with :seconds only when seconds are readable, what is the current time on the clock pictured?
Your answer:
2:45:19
